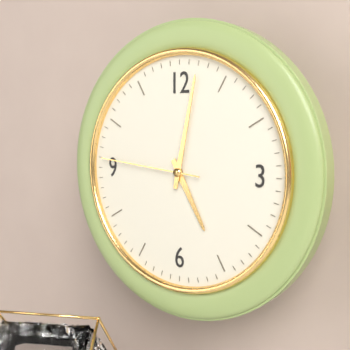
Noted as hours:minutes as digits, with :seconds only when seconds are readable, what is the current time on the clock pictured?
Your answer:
5:02:46
